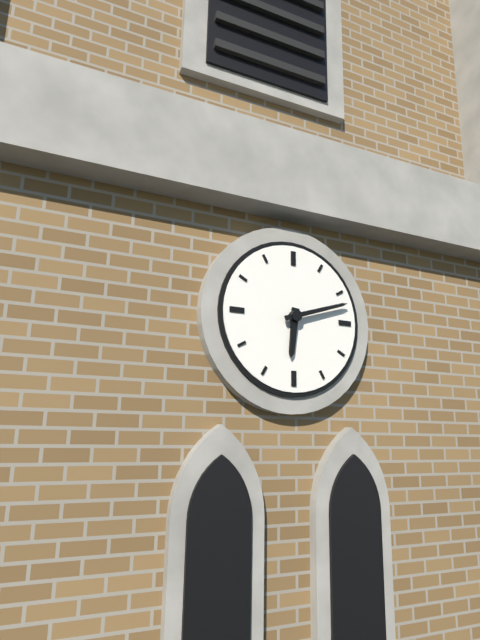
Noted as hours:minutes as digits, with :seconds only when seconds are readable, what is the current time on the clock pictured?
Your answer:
6:12
